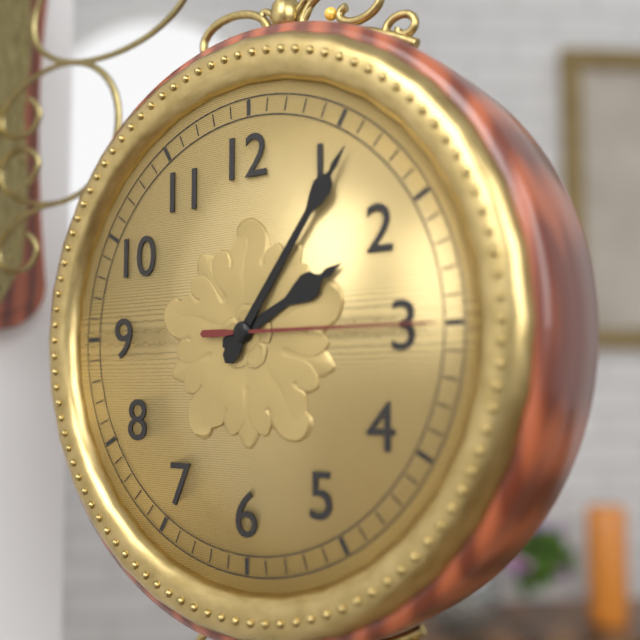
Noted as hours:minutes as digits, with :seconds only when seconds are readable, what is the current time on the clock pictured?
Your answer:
2:06:15
